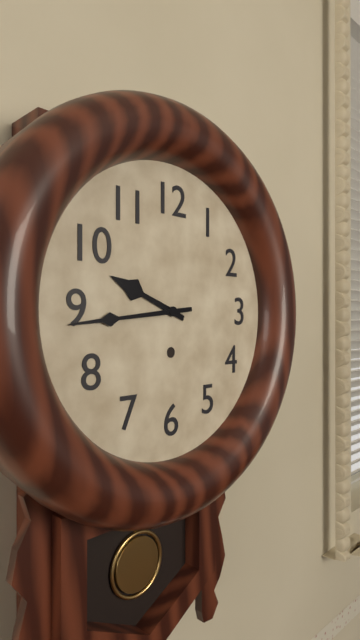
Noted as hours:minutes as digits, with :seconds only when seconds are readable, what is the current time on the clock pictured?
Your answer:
9:44
